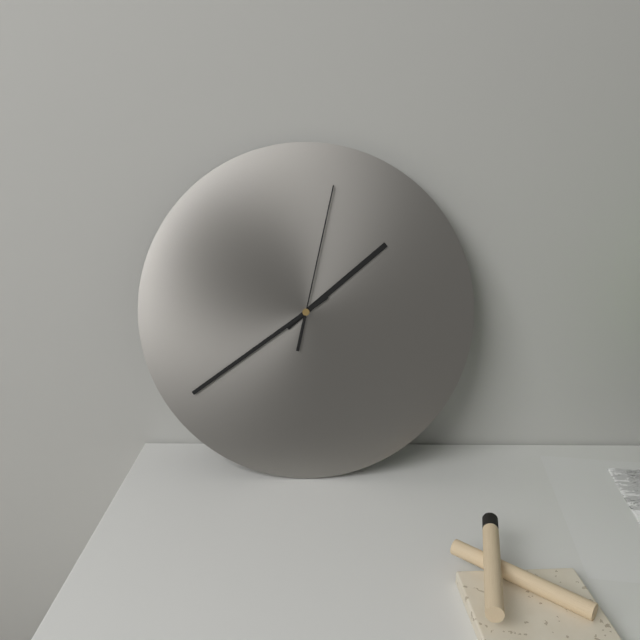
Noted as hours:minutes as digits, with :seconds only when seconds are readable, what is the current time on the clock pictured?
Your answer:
1:39:02
